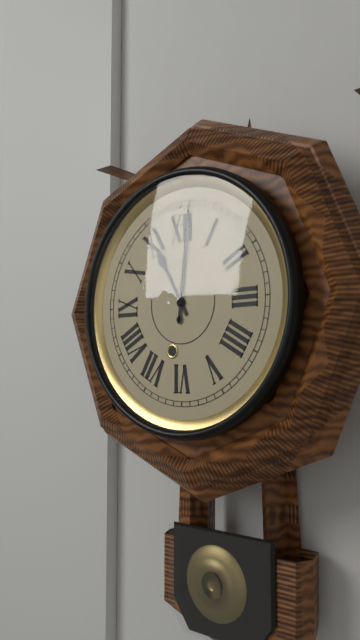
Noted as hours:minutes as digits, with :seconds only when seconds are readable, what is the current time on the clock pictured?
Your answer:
11:01
